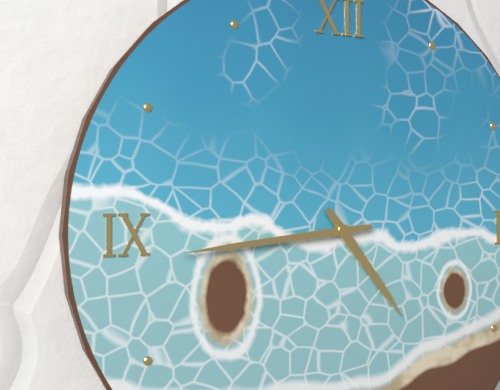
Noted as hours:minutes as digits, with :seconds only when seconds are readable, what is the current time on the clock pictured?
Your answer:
4:44
